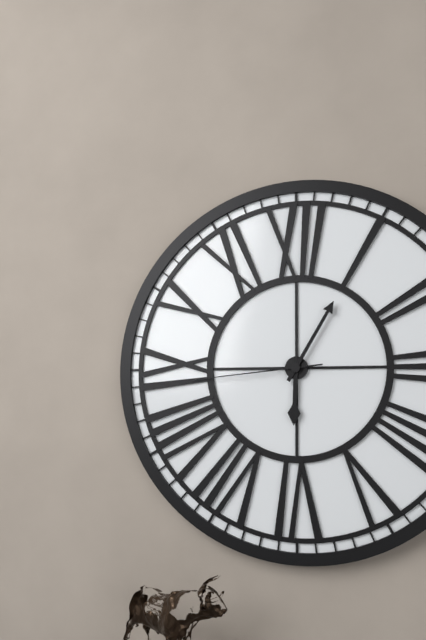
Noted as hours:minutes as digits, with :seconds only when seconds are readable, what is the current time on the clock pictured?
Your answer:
6:05:44
